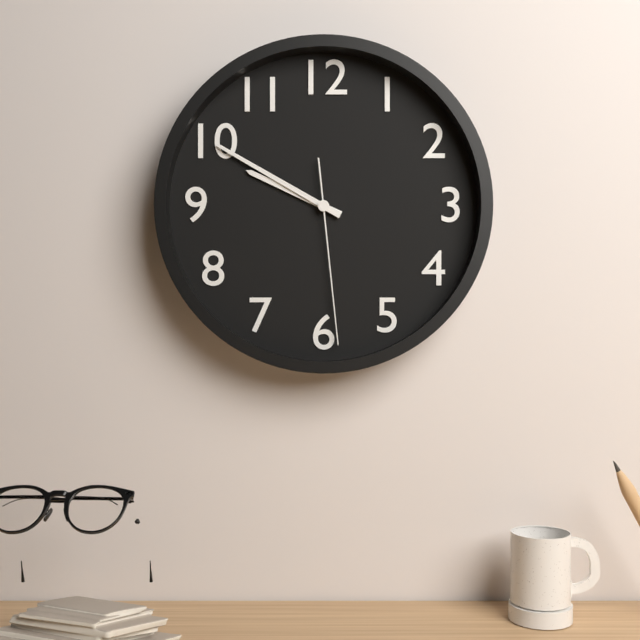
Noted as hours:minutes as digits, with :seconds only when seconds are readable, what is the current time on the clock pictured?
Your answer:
9:50:29
